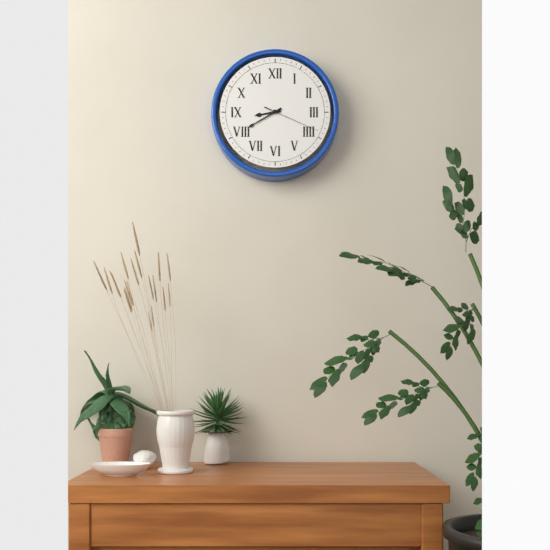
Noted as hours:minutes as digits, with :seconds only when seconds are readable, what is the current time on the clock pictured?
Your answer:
8:40:19
